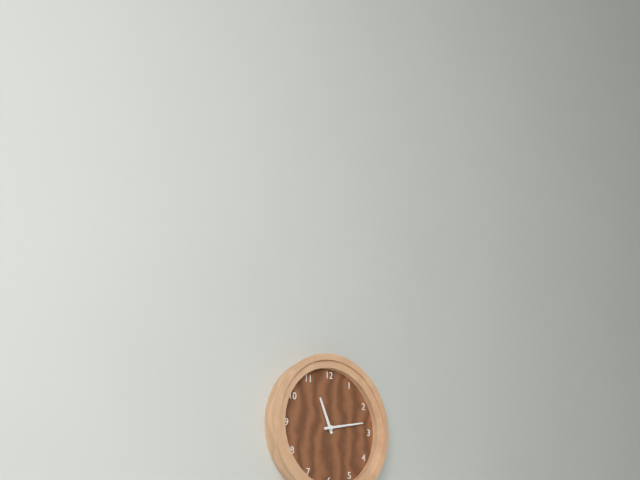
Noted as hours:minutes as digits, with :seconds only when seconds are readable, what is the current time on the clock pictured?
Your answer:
11:13
